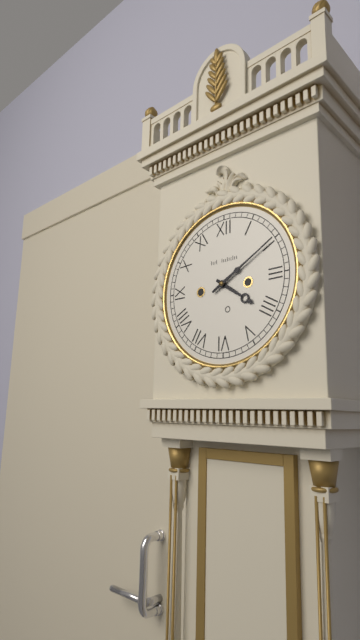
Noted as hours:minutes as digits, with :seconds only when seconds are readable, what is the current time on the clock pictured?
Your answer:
4:10
